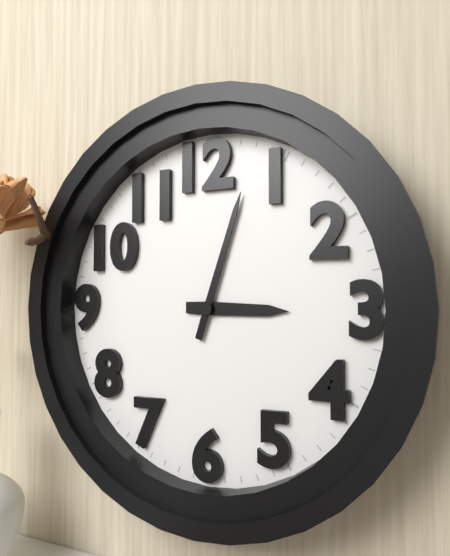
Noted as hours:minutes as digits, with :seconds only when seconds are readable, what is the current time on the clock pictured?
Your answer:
3:03
